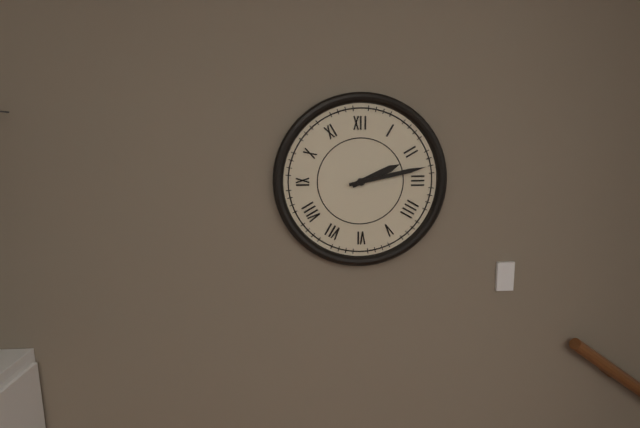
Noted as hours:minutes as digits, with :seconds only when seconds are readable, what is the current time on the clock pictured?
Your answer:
2:13
